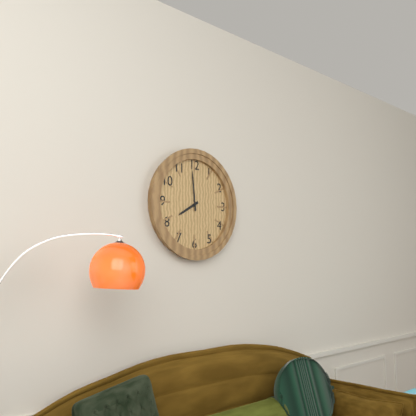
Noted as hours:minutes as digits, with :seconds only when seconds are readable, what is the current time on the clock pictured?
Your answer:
7:59
